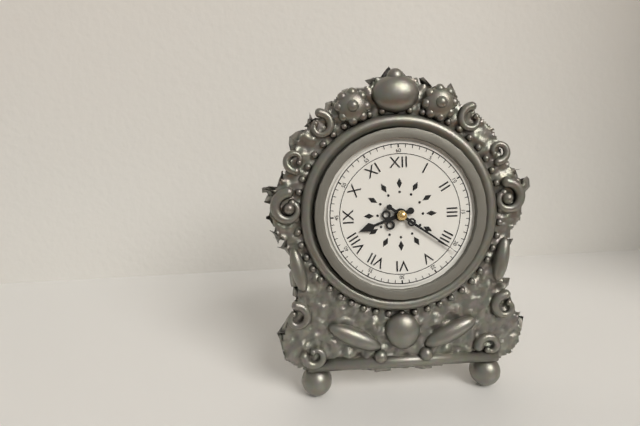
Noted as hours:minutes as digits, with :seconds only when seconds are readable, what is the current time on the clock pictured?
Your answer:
8:21
